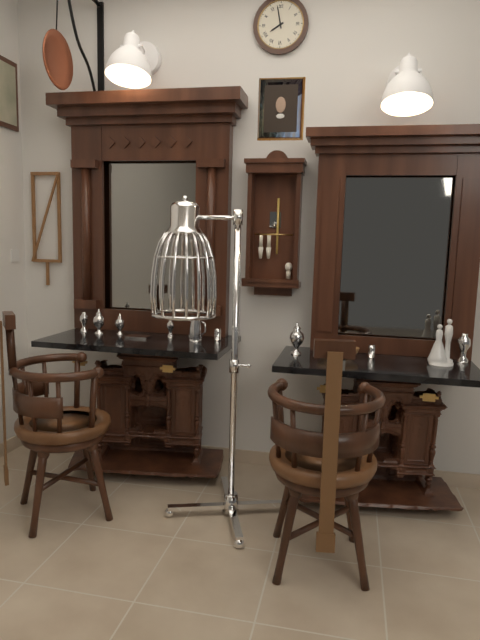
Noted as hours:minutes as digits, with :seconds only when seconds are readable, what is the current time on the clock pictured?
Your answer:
7:58
